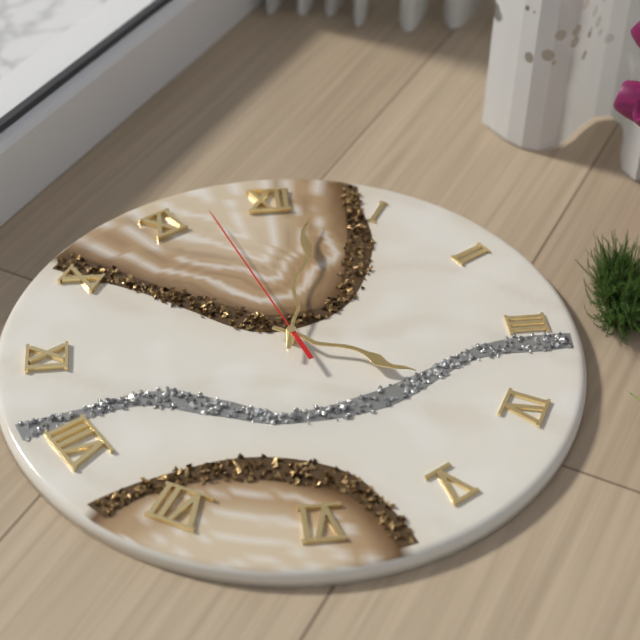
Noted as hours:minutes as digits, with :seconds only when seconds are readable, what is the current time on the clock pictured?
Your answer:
4:02:57
